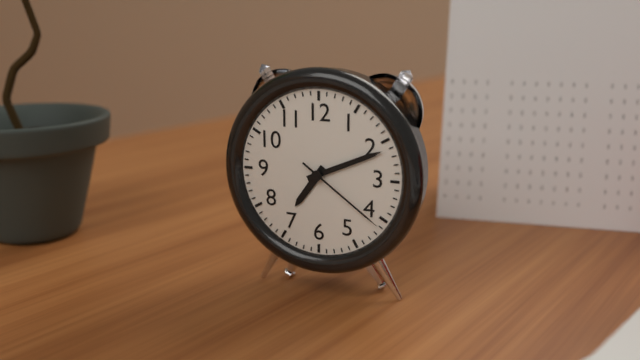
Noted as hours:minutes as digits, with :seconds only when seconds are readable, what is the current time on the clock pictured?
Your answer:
7:11:21
